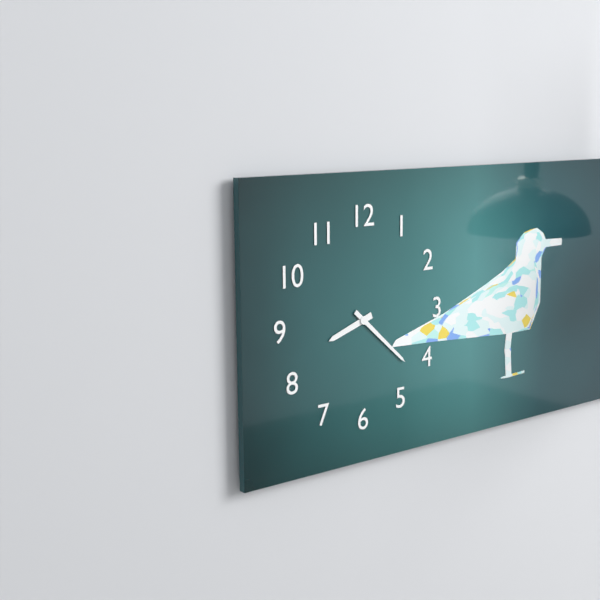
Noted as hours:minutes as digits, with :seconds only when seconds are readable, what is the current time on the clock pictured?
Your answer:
8:22
